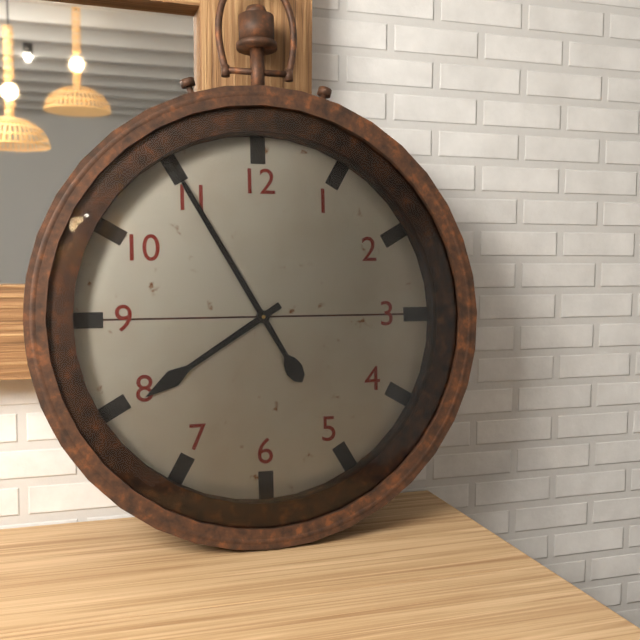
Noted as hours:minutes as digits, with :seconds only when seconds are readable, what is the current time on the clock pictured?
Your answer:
7:55
